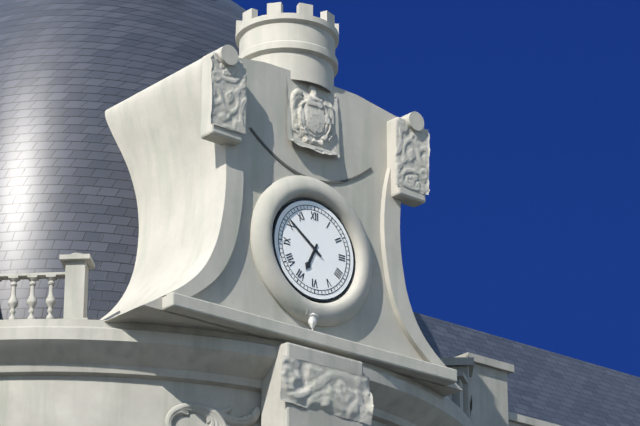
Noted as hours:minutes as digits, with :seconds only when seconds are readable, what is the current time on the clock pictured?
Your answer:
6:51
